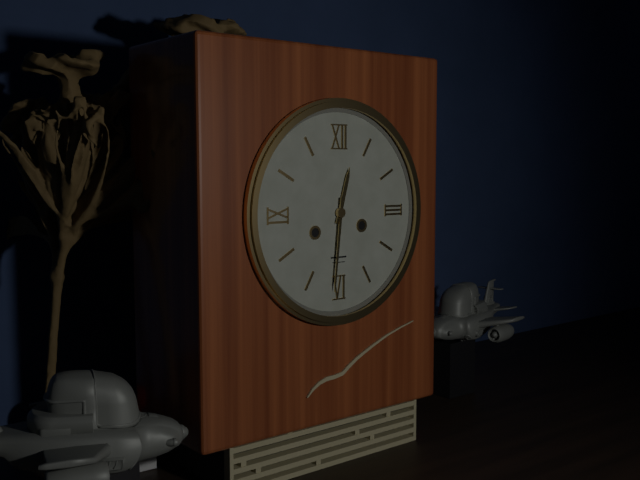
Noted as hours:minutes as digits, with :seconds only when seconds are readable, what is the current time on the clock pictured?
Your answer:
12:31
